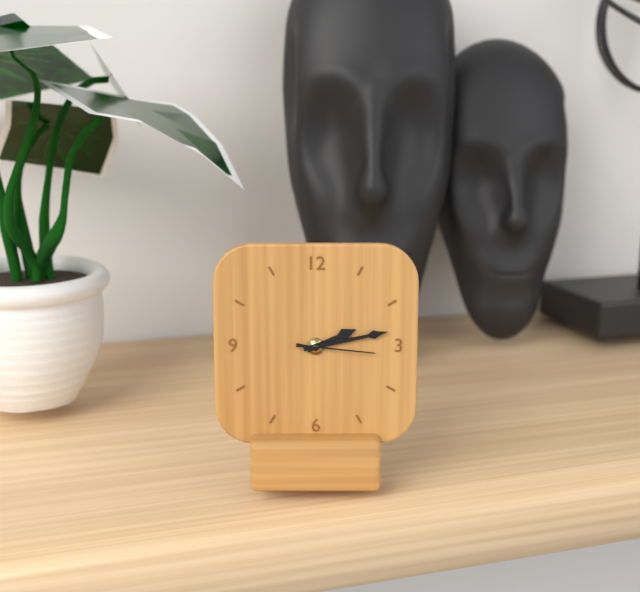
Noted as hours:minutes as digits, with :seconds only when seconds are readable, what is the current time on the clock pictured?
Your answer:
2:13:16
